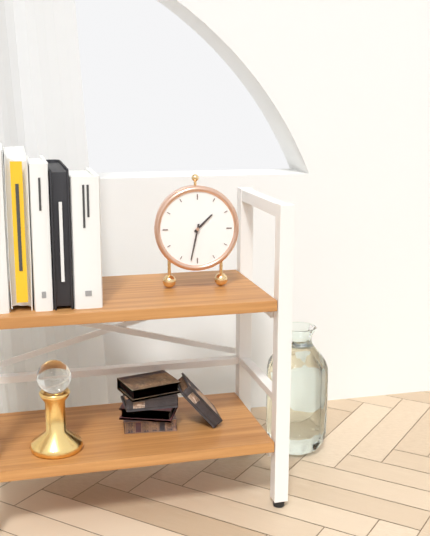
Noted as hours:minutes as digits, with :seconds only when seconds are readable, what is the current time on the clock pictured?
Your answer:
1:32
